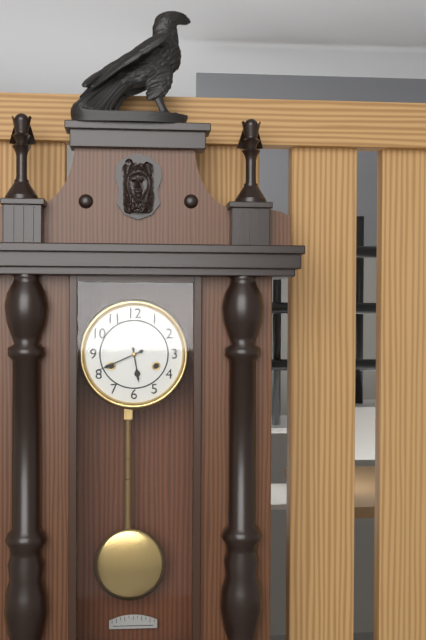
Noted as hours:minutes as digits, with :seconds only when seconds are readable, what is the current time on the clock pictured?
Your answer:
5:41
